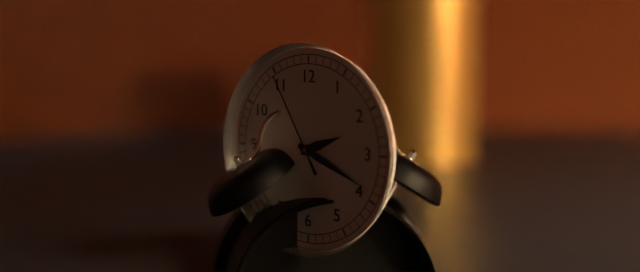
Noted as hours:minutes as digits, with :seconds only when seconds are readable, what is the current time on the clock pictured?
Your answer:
2:19:55
